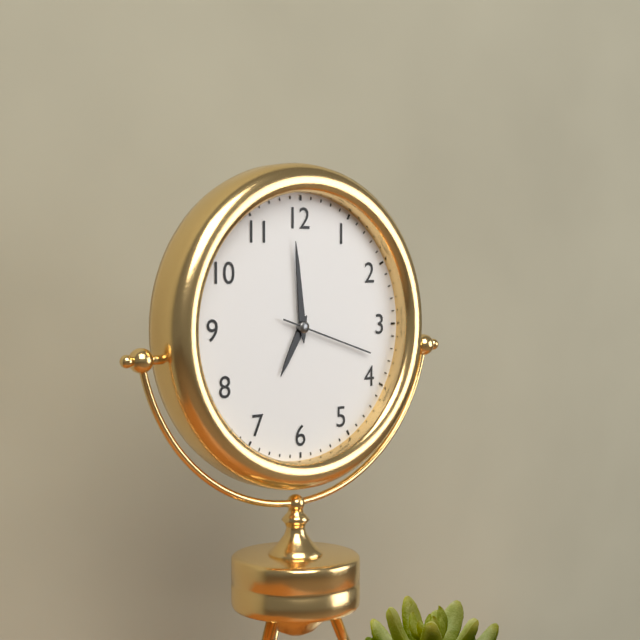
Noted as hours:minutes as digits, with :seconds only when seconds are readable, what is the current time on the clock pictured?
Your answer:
6:59:18
